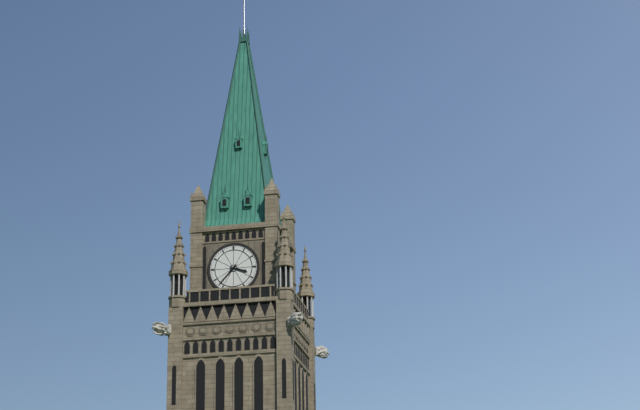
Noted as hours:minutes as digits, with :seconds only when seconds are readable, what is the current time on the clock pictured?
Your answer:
3:37
